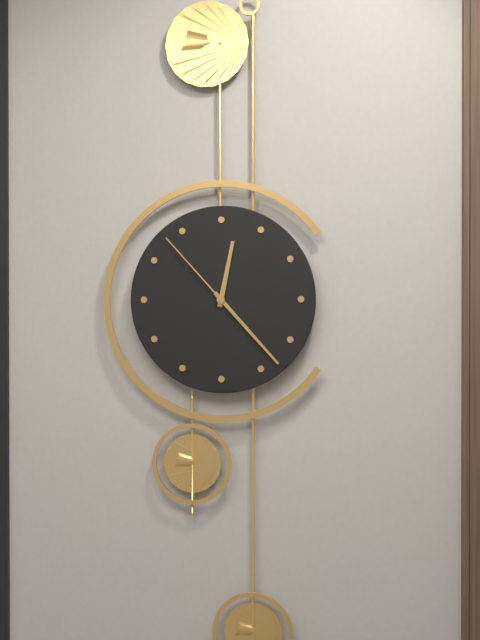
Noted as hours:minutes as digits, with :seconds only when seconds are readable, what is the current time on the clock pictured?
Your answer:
12:23:53
